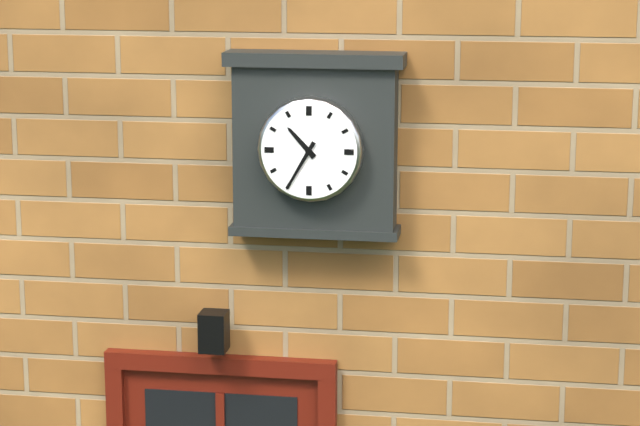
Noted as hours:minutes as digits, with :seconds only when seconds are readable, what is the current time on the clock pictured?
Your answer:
10:35
